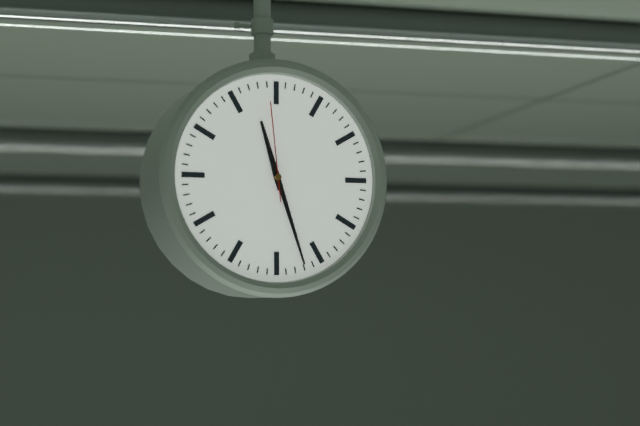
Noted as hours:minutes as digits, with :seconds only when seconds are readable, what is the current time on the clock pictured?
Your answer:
11:27:59
